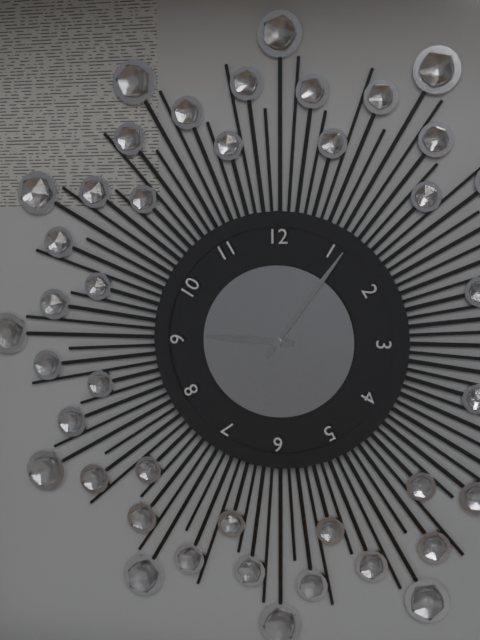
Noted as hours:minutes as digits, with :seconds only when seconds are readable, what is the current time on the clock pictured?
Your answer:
9:06
